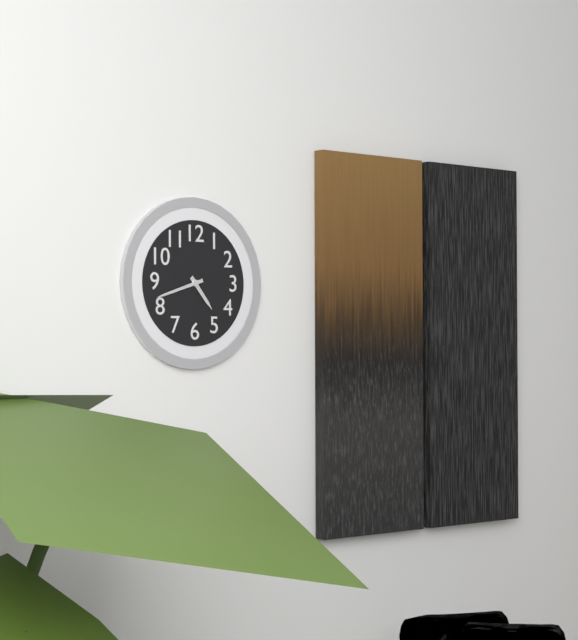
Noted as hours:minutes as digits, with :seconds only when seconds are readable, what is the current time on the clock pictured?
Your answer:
4:42
